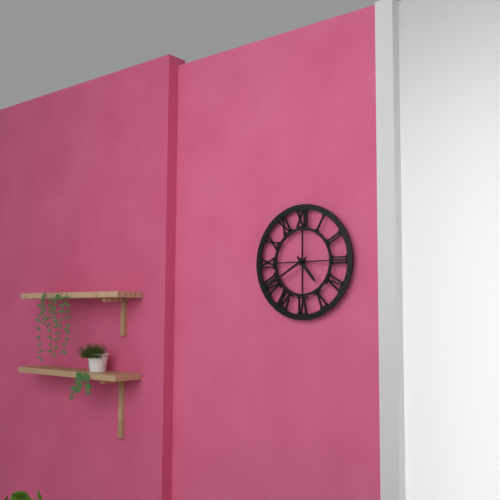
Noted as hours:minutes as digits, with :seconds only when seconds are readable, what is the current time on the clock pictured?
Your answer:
4:40
